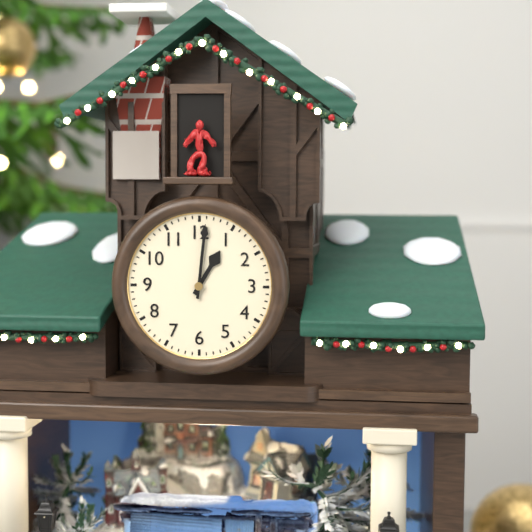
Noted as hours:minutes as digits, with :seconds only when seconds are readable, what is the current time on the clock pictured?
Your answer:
1:01
